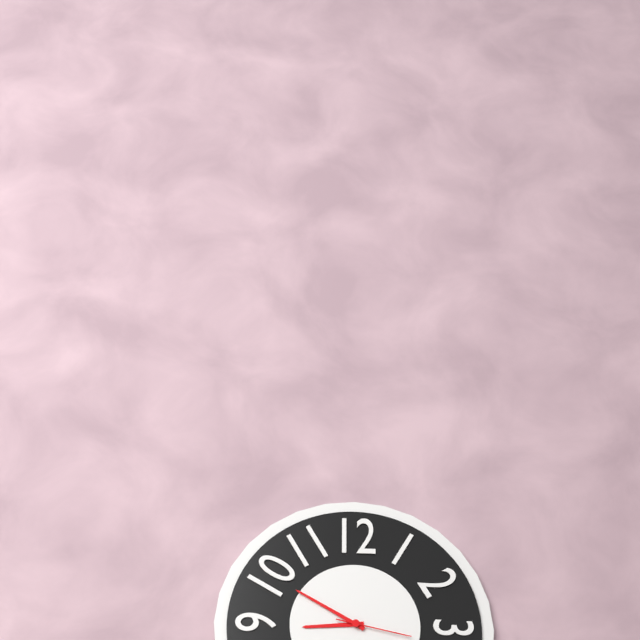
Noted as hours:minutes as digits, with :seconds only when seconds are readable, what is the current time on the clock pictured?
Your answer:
8:50:17
